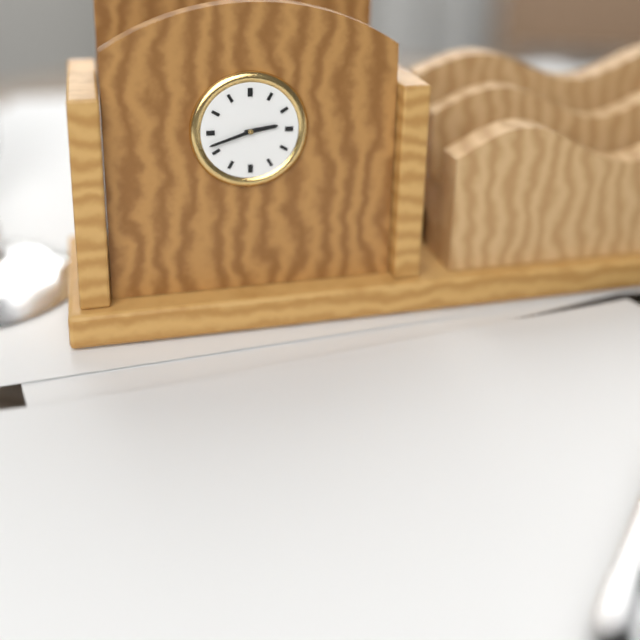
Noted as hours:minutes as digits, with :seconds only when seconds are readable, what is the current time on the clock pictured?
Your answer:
2:42
